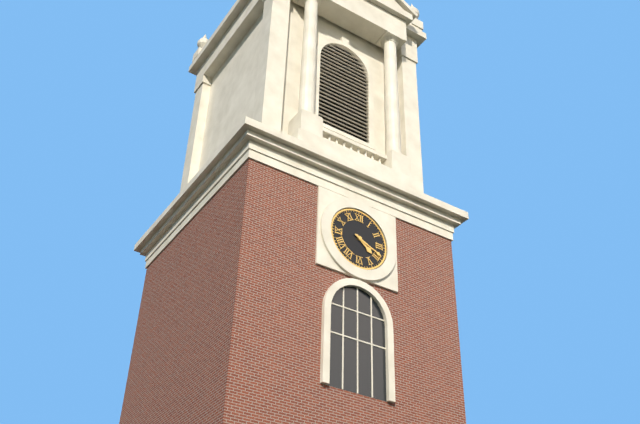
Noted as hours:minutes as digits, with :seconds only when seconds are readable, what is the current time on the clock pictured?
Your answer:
4:19
